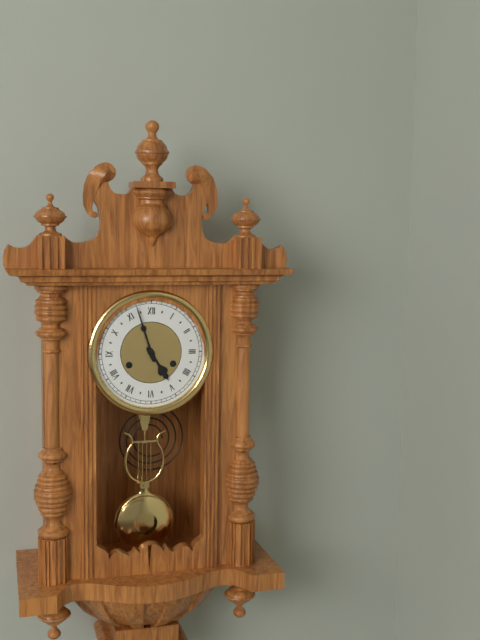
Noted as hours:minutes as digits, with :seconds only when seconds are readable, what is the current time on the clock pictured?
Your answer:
4:57
